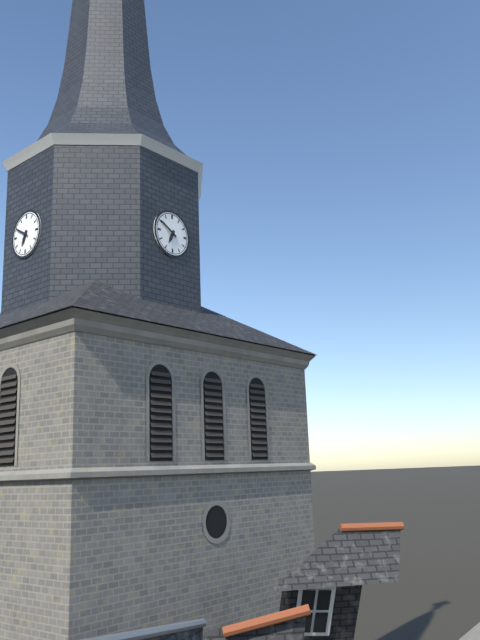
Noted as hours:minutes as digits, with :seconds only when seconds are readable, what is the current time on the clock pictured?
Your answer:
6:50
